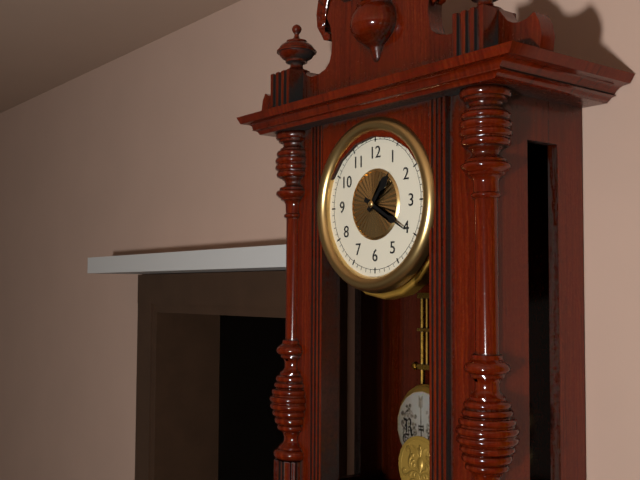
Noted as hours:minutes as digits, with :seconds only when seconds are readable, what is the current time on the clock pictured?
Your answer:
1:20
